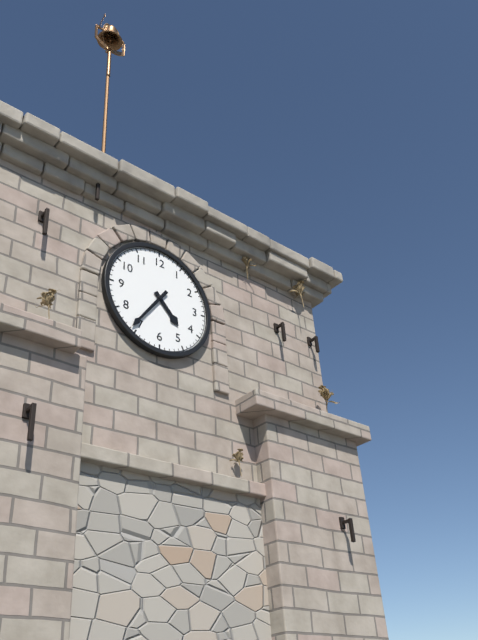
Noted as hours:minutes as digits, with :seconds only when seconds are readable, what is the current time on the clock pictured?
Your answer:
4:36
